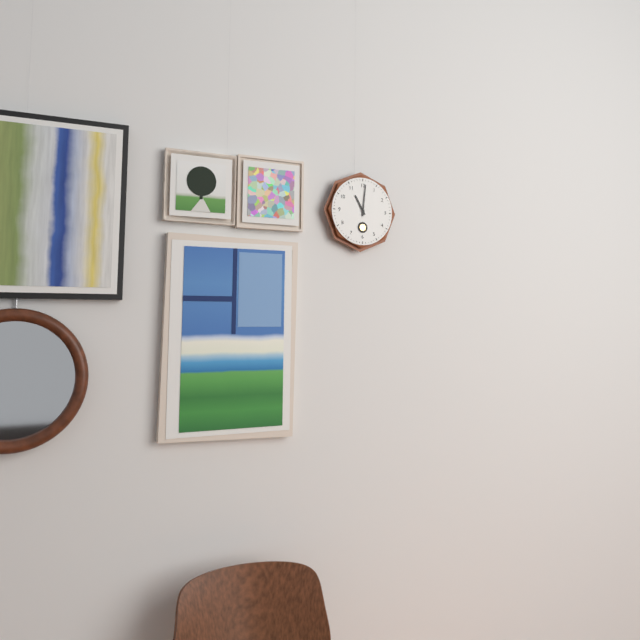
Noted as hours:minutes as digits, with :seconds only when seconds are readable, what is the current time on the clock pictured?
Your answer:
11:01
